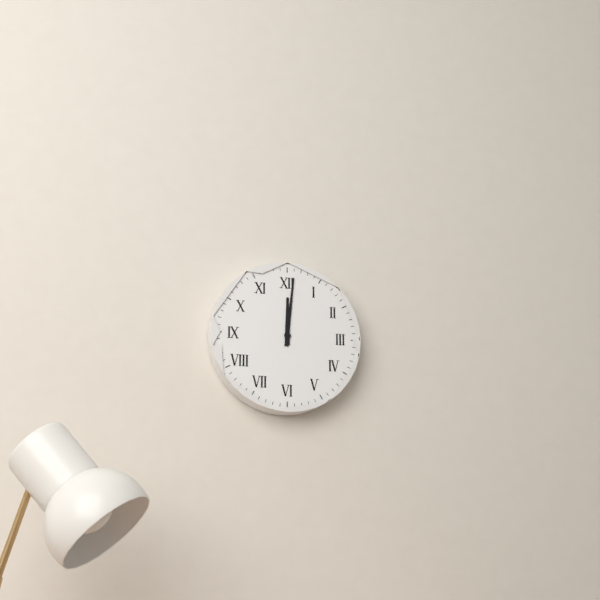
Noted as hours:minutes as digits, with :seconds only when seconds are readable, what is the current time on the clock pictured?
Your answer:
12:01
